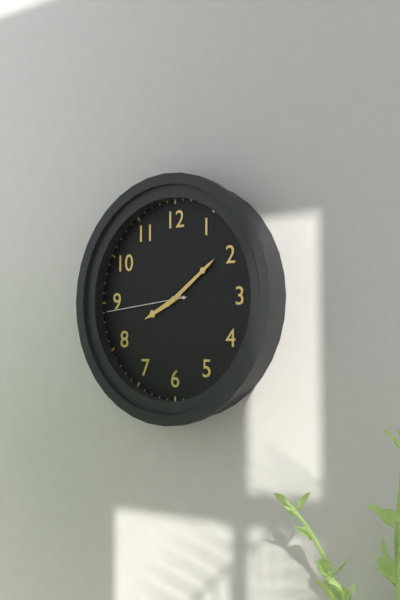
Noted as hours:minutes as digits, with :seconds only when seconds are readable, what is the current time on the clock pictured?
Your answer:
8:09:44
